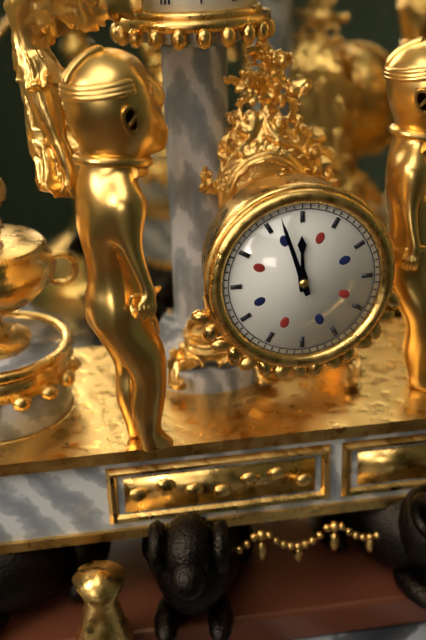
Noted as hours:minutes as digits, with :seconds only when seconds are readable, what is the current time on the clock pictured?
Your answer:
11:57
